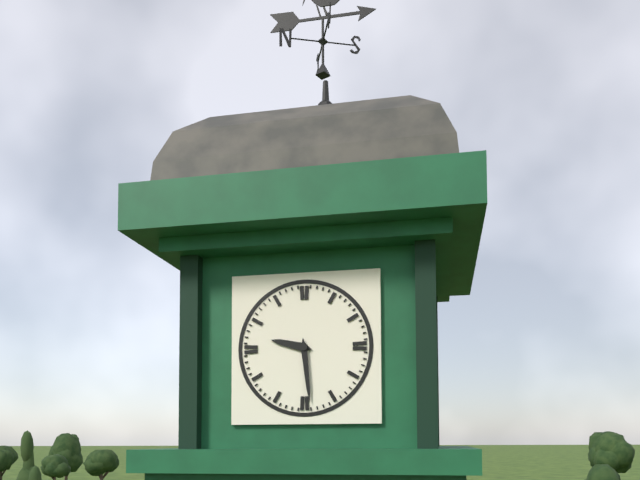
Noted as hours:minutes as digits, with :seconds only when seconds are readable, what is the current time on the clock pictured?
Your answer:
9:29
